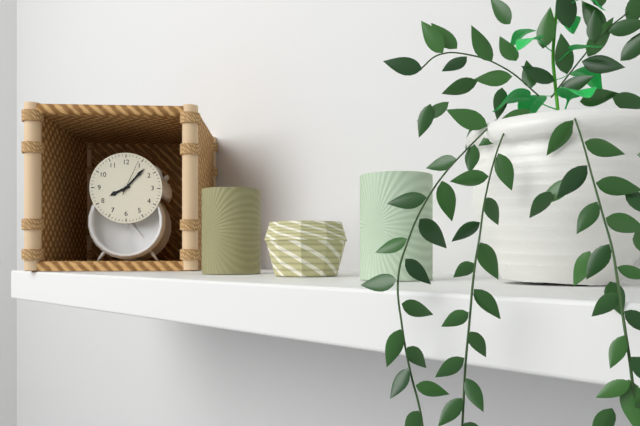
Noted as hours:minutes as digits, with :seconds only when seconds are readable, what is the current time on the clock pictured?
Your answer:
8:07
